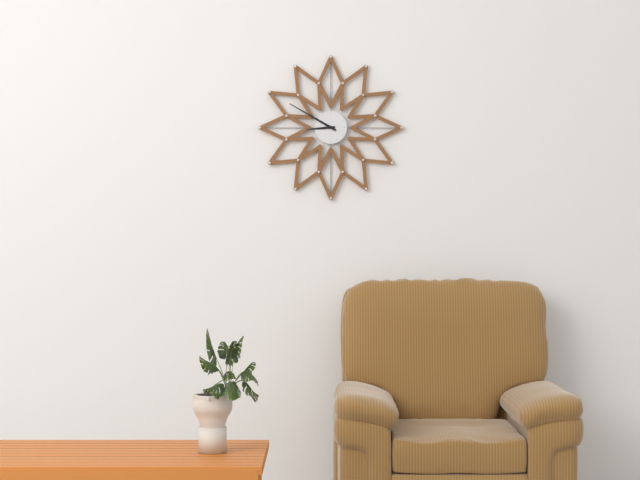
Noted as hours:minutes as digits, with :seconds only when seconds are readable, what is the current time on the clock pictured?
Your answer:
8:50
